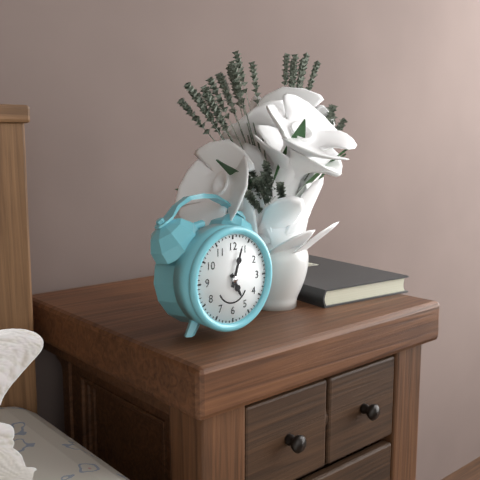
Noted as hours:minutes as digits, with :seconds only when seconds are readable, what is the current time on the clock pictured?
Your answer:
5:03
